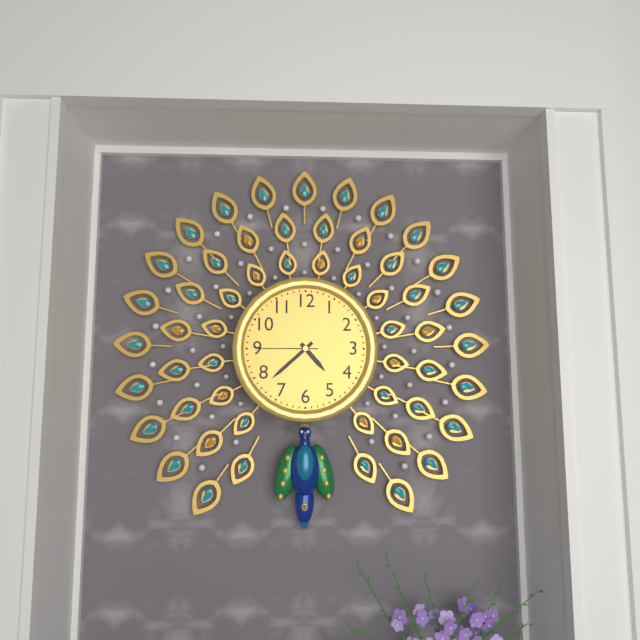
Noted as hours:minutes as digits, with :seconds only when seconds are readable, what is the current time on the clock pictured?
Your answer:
4:38:45
